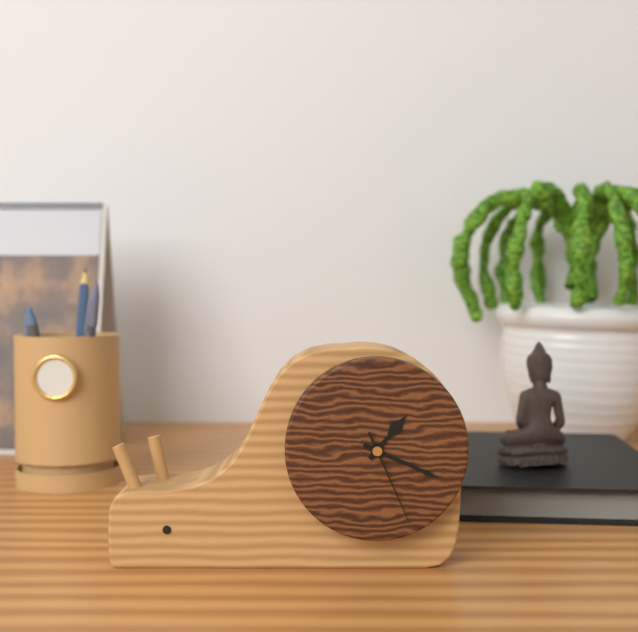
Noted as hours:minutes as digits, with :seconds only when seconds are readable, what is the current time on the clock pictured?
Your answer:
1:19:26
